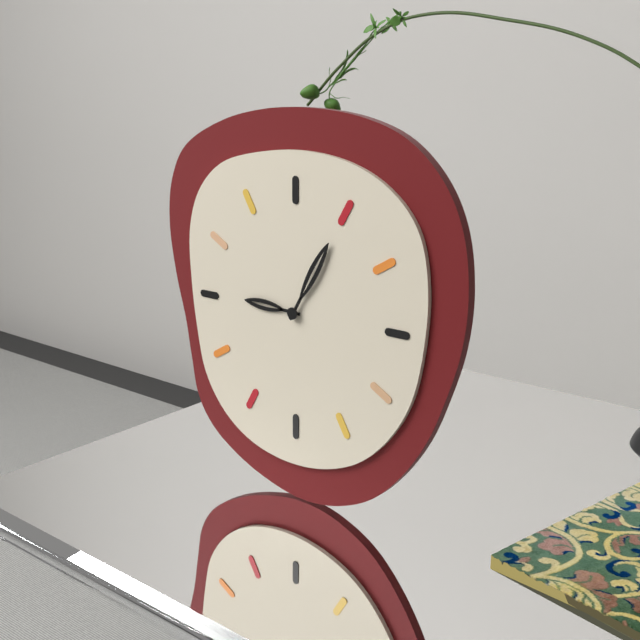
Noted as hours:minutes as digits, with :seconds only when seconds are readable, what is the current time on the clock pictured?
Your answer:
9:05
